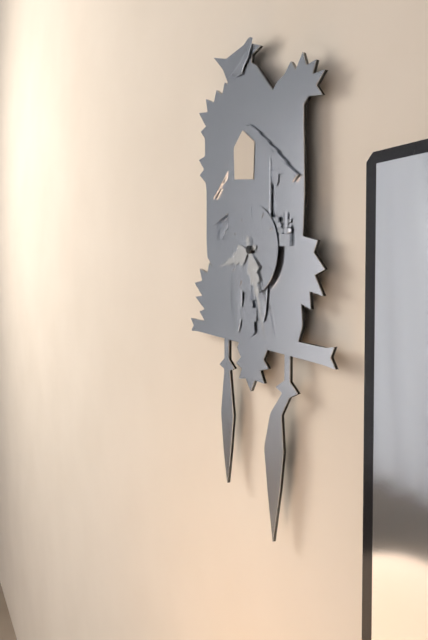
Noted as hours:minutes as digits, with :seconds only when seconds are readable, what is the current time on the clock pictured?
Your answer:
8:27
